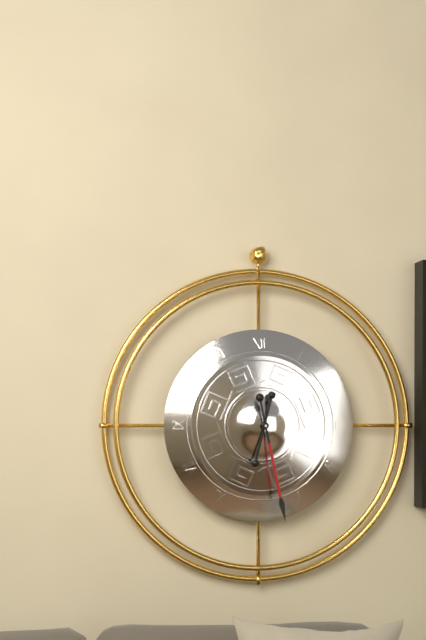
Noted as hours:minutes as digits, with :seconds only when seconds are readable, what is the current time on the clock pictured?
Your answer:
6:28
